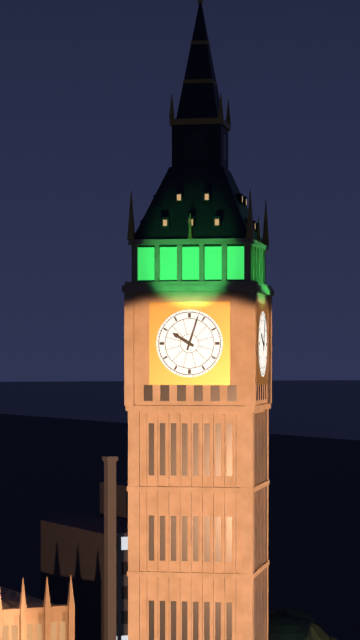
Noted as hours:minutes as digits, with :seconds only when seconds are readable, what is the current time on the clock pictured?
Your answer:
10:03
